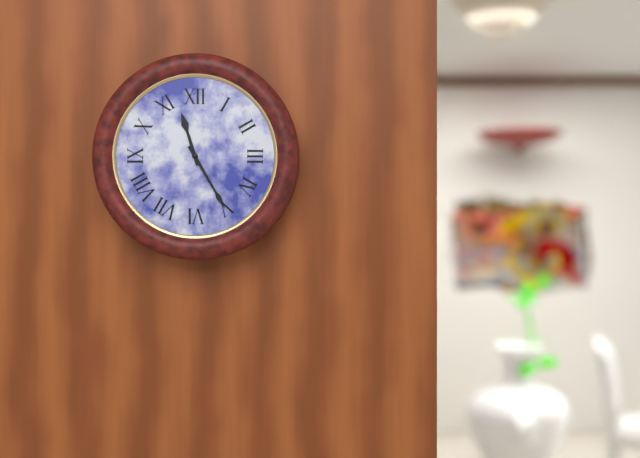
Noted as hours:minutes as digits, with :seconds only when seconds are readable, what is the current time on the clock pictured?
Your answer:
11:25
